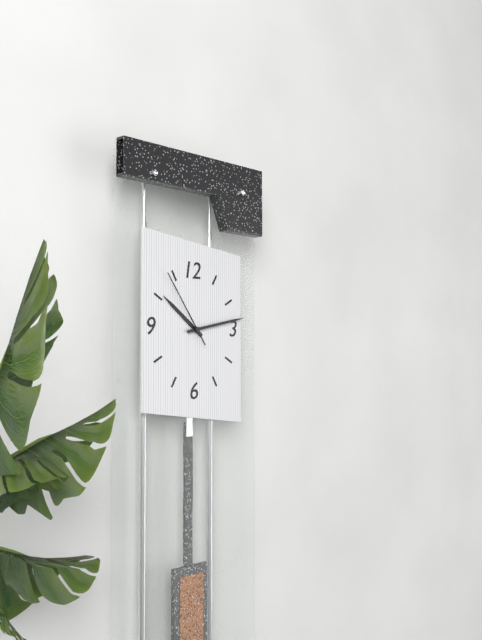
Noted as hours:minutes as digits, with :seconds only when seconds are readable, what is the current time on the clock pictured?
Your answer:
10:13:54
